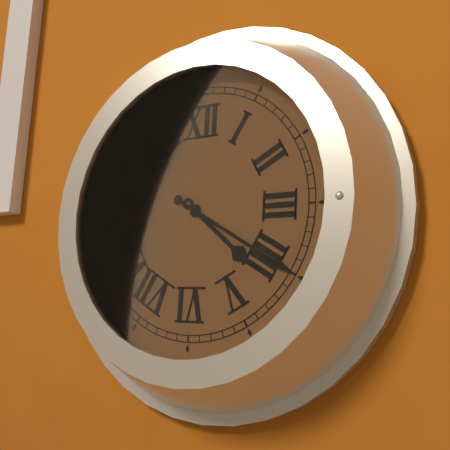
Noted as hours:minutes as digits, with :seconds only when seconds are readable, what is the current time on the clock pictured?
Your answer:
4:20
